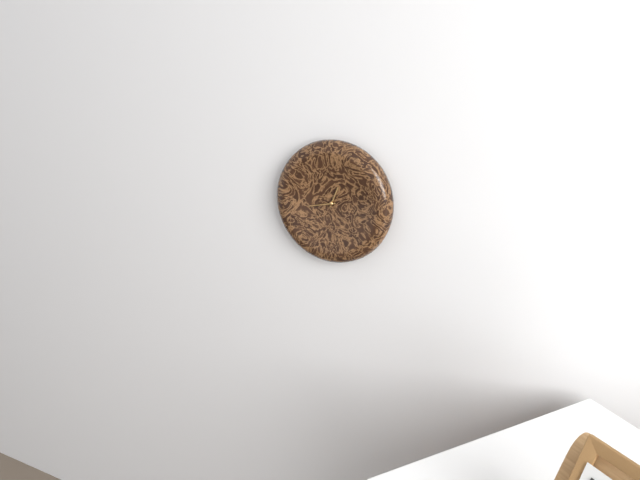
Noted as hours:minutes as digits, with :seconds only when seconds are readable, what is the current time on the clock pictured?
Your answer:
12:43
